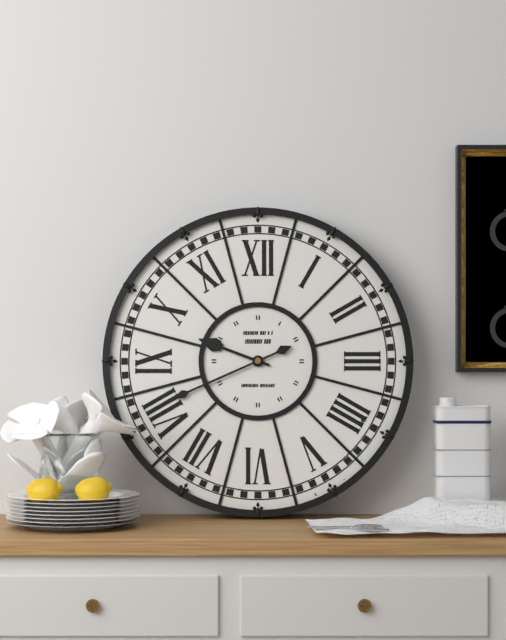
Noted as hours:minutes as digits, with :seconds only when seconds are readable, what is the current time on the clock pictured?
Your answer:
9:41
